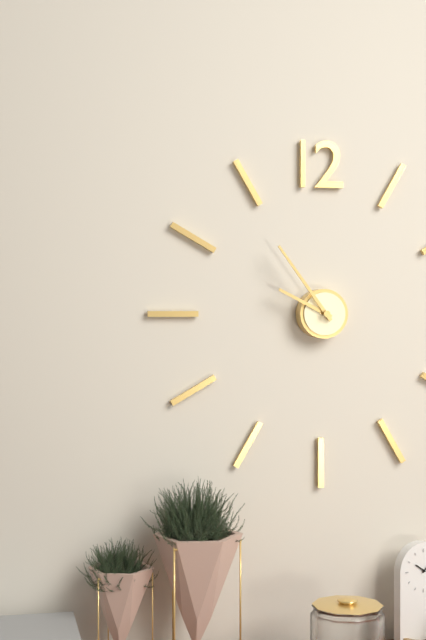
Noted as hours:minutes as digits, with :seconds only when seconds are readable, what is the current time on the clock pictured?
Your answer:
9:54
